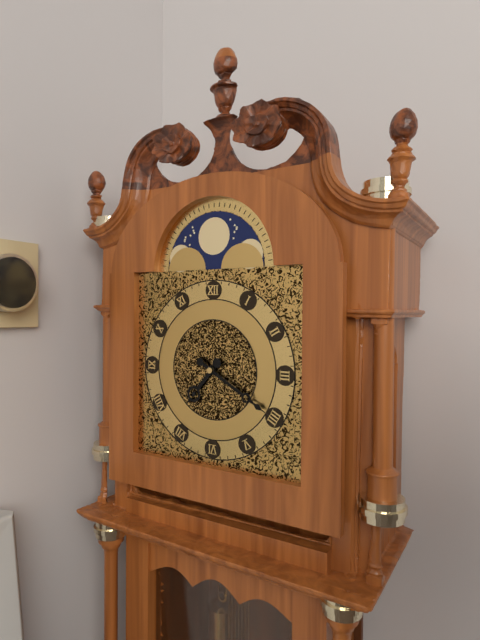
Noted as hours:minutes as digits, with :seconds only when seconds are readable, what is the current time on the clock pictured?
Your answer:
7:20
